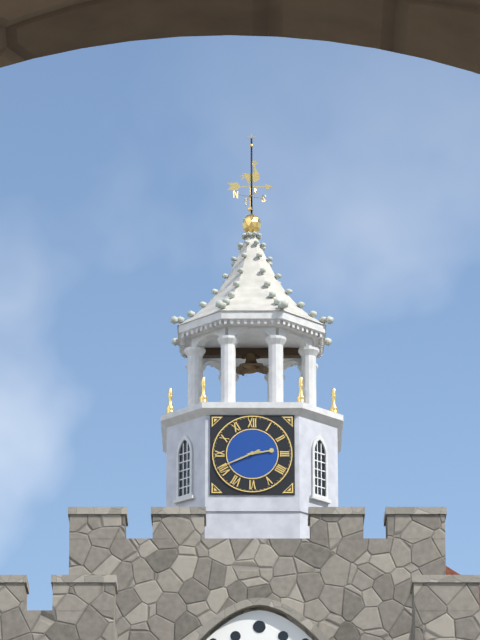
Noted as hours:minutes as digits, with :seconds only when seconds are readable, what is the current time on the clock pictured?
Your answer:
2:41
